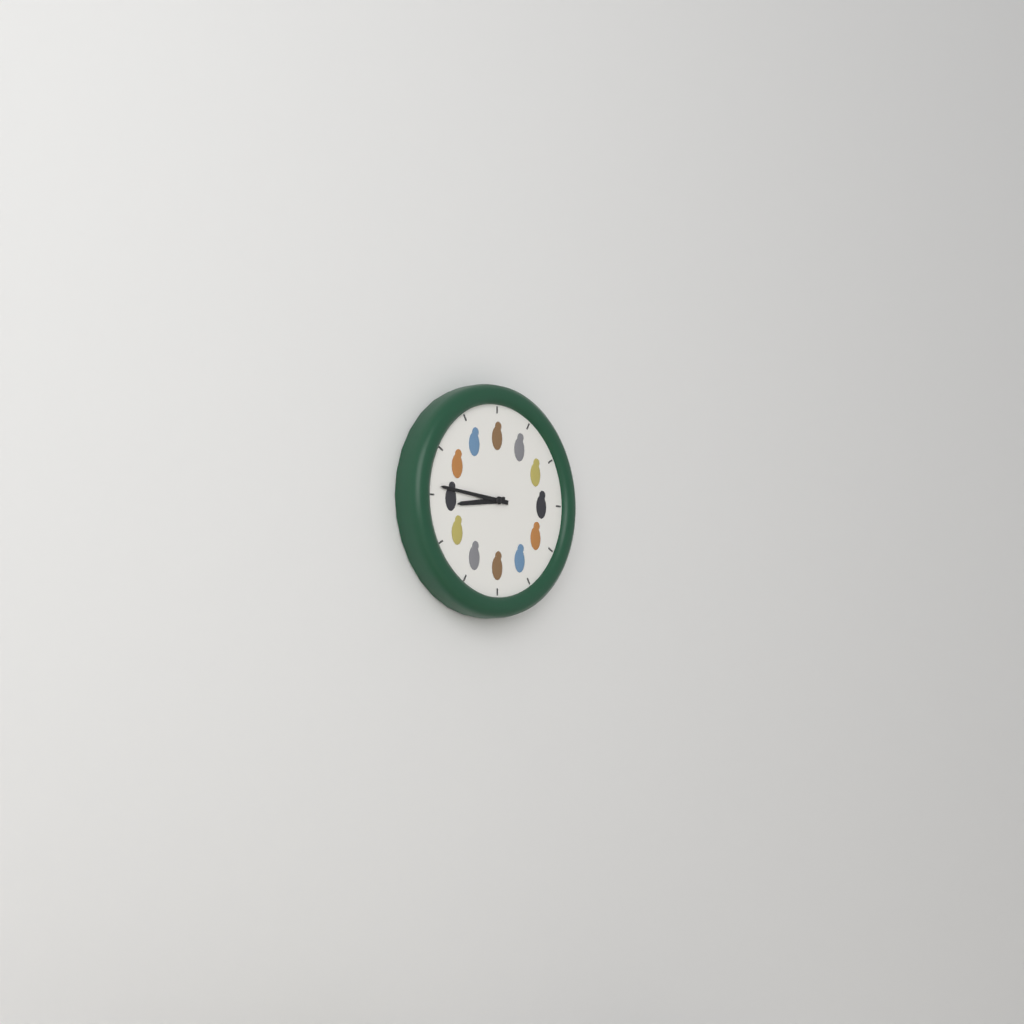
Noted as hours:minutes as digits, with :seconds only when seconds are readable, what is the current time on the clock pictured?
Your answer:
8:46
